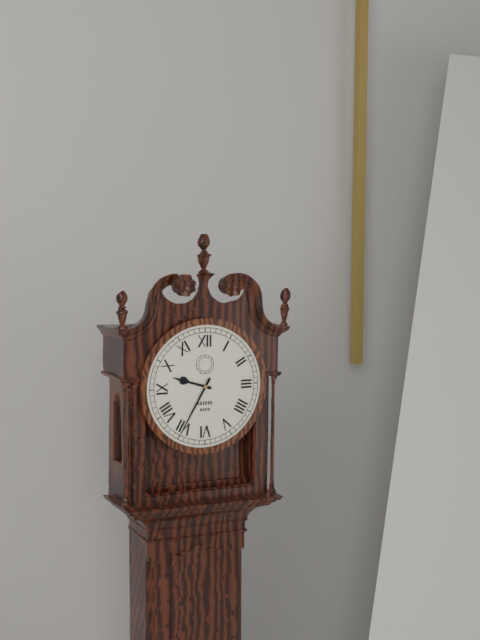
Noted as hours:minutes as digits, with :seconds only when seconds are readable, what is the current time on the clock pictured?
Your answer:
9:35
